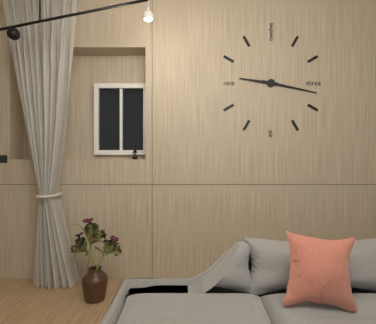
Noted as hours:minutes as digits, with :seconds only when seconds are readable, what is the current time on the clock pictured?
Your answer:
9:17
